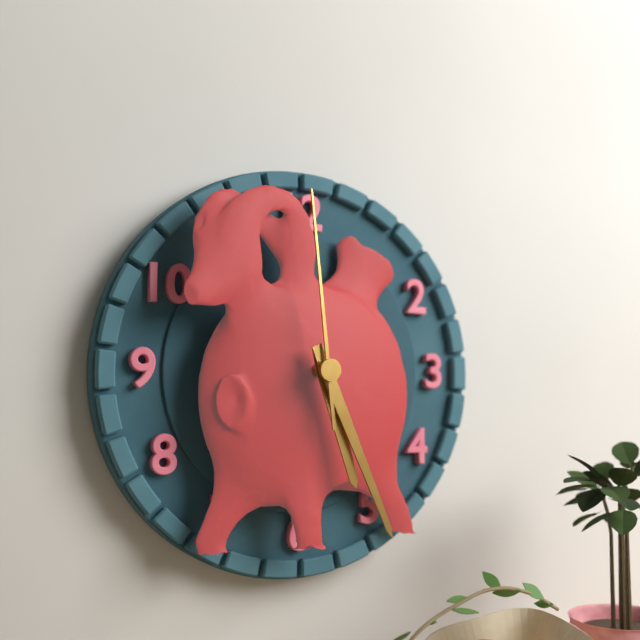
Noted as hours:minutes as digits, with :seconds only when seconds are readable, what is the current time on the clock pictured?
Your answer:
5:26:59
